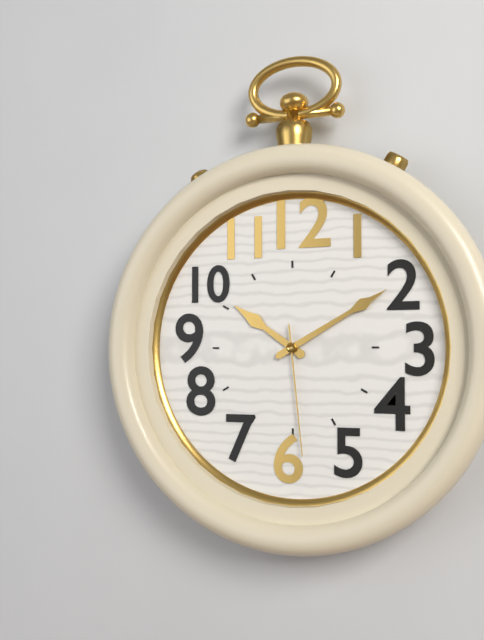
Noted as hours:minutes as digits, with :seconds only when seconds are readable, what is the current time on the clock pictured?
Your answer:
10:10:29
